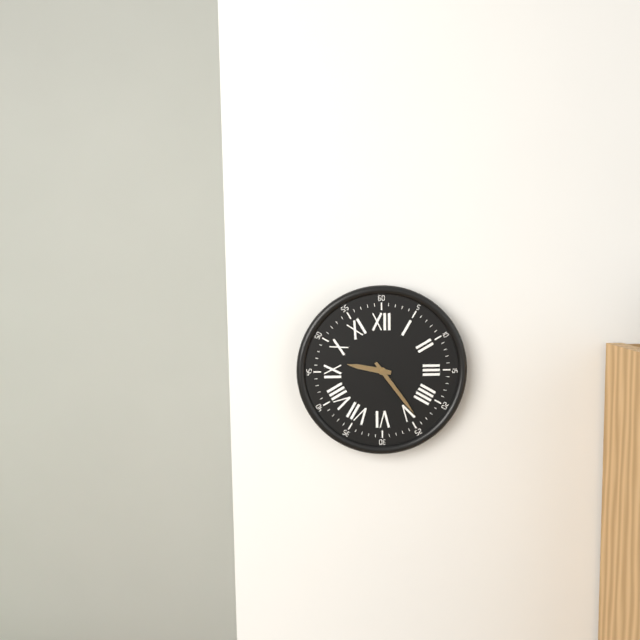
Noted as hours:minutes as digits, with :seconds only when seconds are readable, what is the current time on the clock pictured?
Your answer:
9:24
